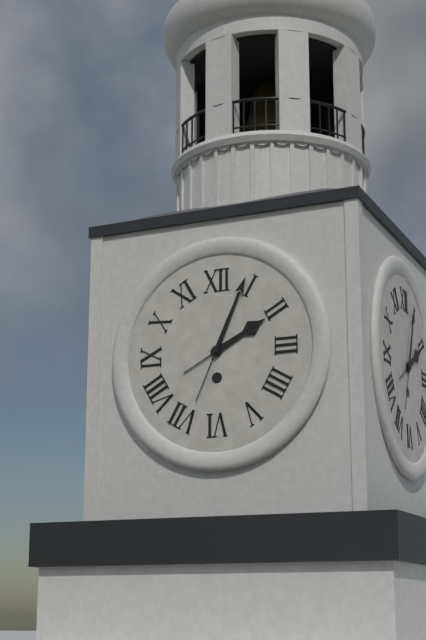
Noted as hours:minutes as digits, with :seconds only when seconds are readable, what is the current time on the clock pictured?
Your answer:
2:04
